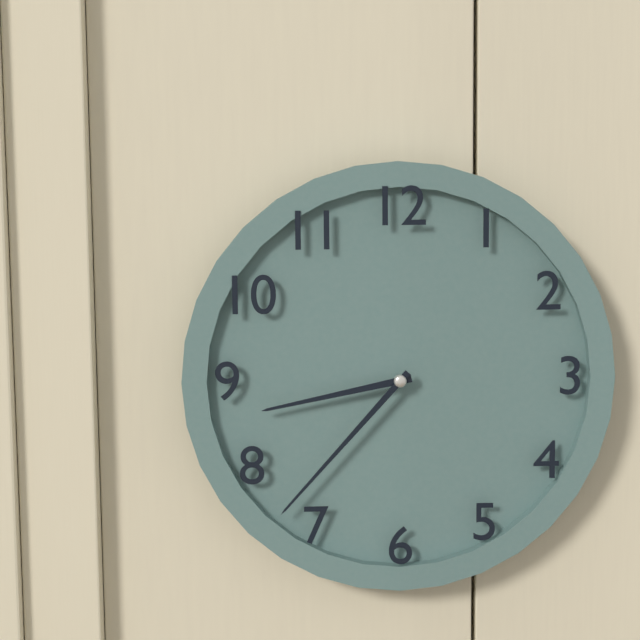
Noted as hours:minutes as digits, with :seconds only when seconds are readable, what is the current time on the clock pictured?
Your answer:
8:37
